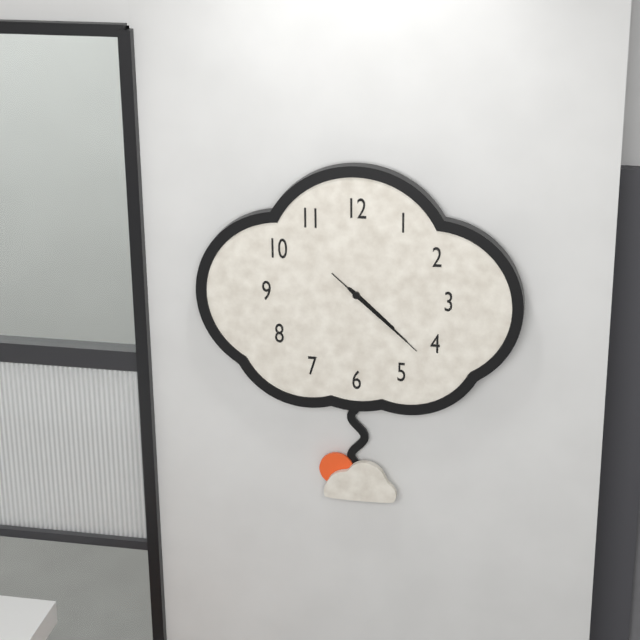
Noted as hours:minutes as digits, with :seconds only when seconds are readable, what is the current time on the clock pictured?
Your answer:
4:22:22
